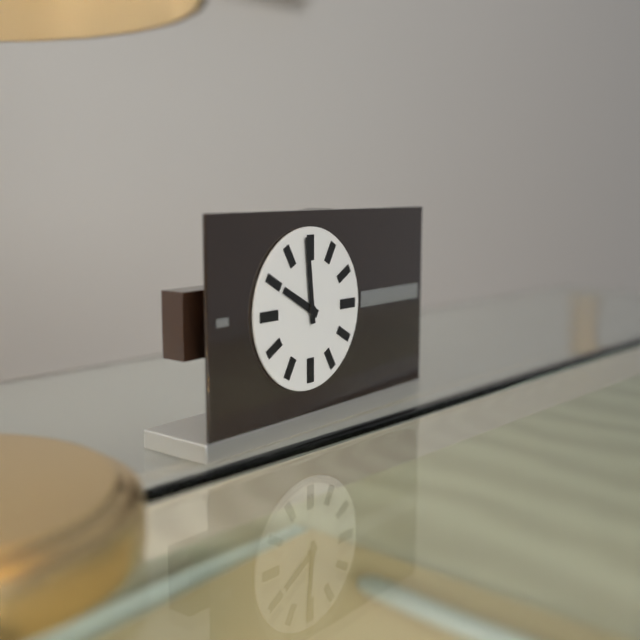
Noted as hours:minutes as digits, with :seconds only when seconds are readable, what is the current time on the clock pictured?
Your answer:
9:59
